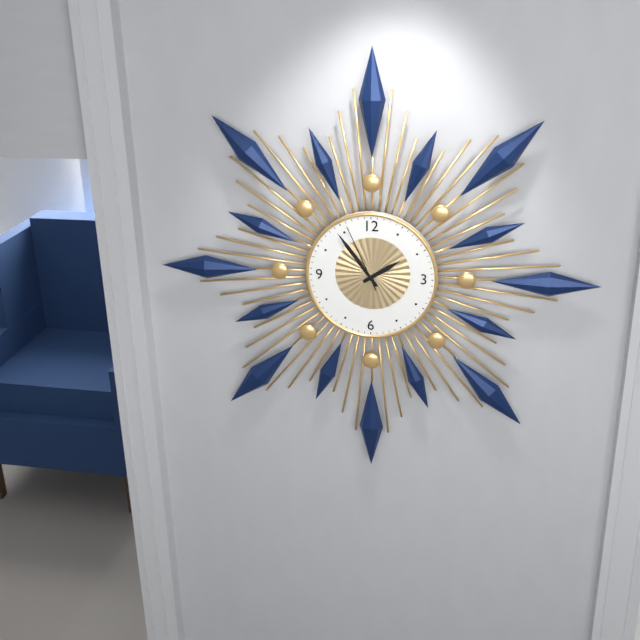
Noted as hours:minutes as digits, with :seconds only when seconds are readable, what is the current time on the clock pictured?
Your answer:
1:54:56
